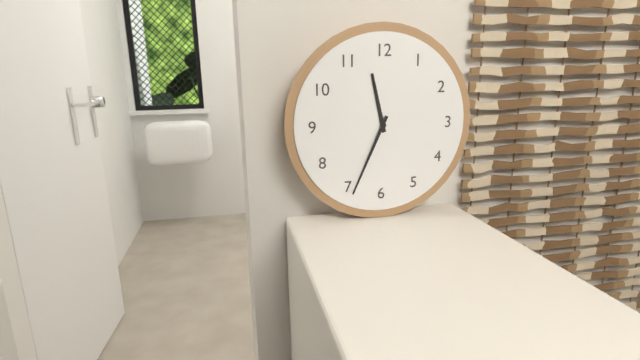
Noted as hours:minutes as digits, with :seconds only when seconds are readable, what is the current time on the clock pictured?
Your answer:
11:34
